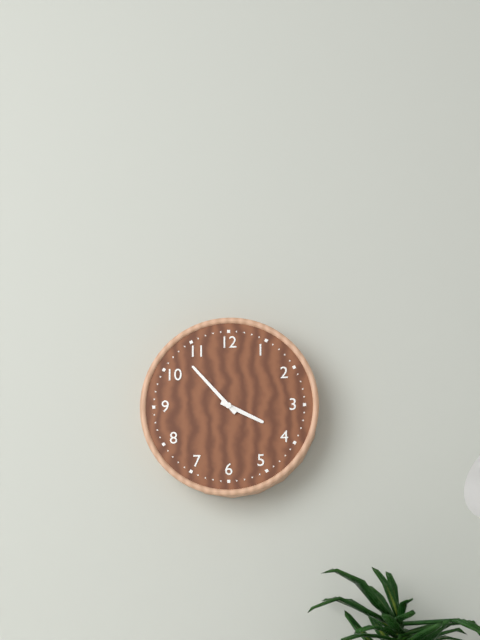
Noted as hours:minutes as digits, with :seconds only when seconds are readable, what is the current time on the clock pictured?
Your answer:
3:53
